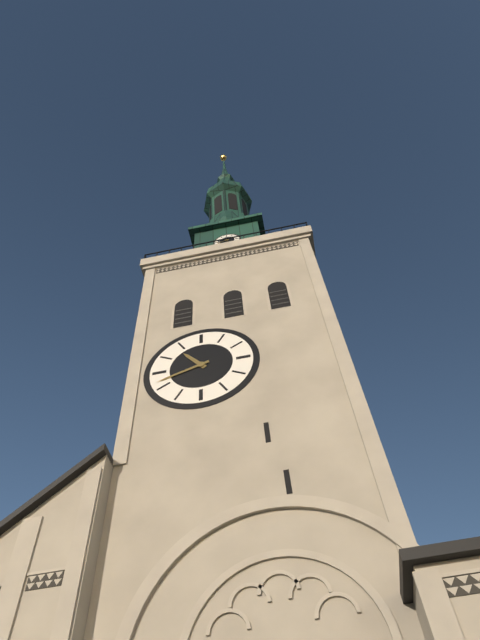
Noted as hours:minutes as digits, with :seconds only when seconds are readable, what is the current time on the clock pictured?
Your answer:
10:42
